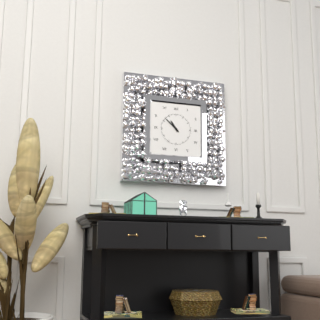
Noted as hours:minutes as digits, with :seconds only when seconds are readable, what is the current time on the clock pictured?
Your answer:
10:52
